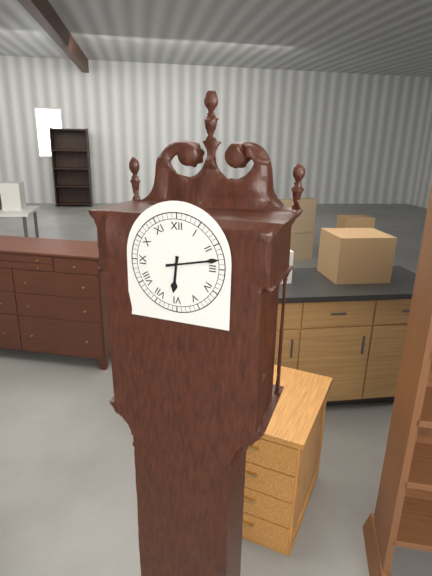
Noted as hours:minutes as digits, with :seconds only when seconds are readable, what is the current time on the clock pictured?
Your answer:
6:13
